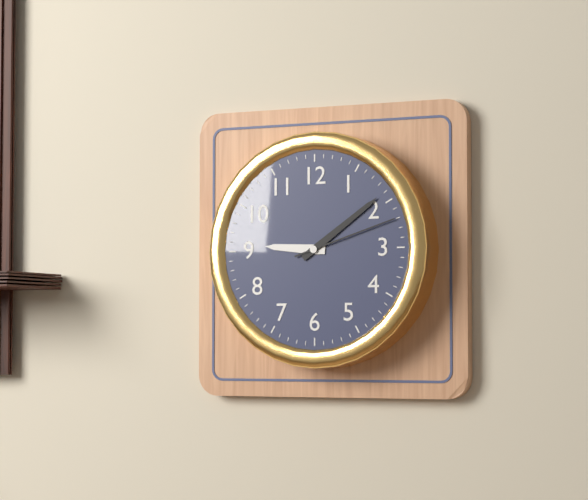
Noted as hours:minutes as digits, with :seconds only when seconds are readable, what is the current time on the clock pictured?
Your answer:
9:09:12
